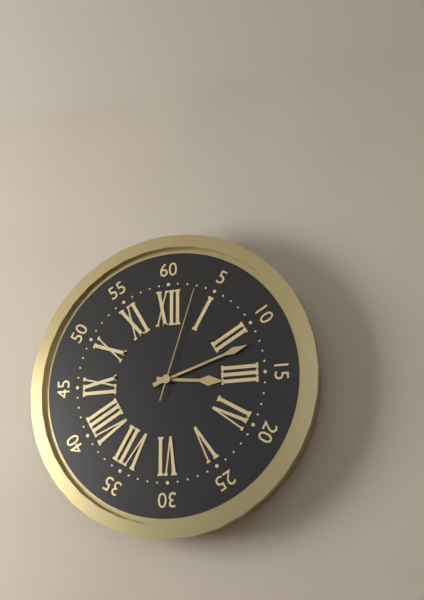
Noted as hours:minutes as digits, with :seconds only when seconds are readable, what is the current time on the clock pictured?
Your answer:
3:12:03
